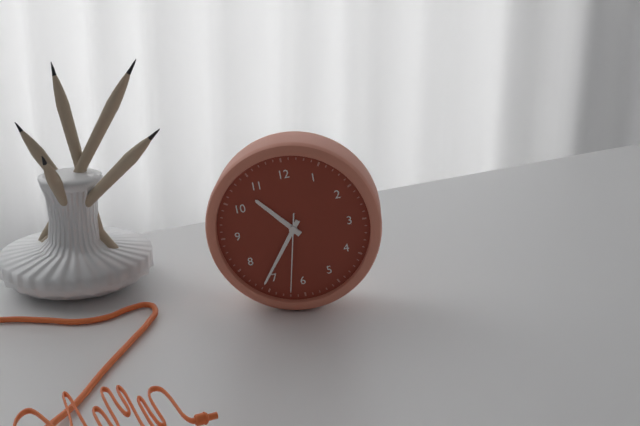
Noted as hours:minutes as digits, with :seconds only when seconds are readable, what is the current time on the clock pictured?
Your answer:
10:36:32
